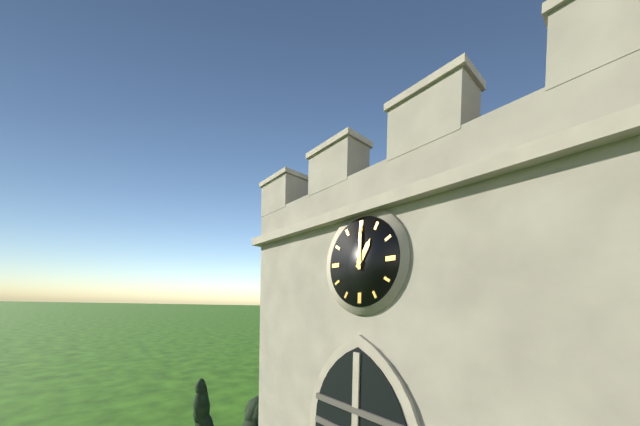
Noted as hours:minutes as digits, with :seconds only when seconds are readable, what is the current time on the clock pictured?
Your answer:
1:00
